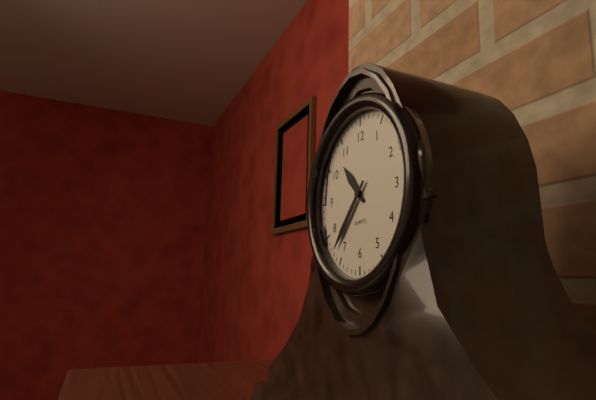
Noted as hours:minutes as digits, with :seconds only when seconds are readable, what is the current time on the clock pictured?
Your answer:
10:37
